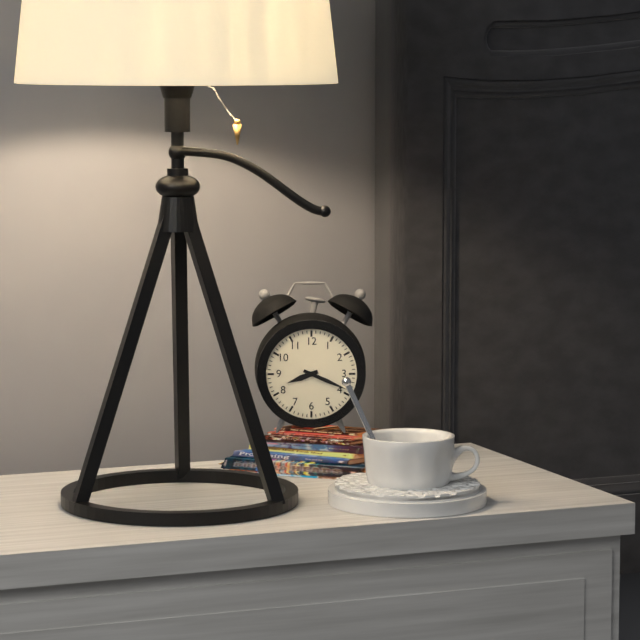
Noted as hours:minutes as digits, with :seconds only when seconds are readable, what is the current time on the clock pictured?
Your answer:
8:19
